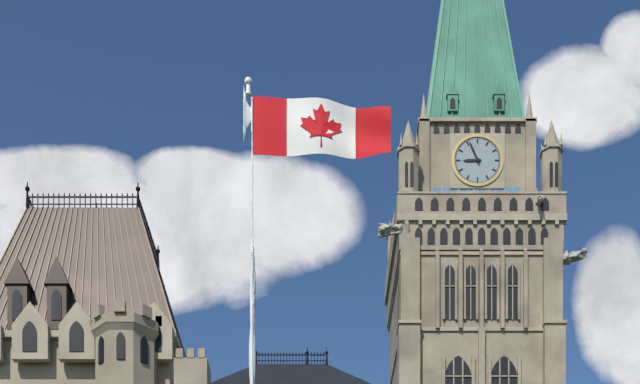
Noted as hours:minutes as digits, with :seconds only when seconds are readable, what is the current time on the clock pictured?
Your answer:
8:56
